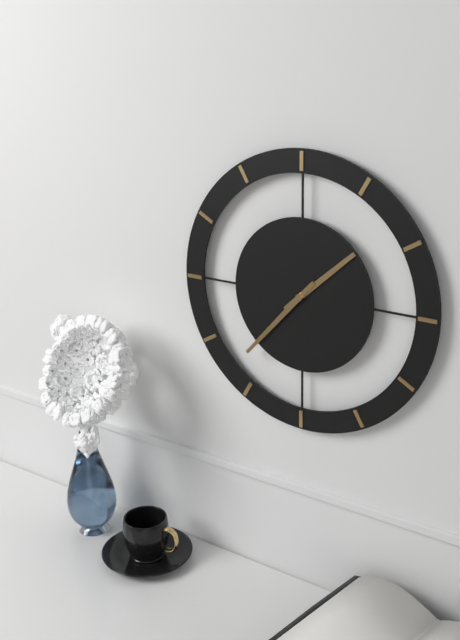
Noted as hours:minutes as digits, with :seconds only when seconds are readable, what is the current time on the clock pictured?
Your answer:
1:37
